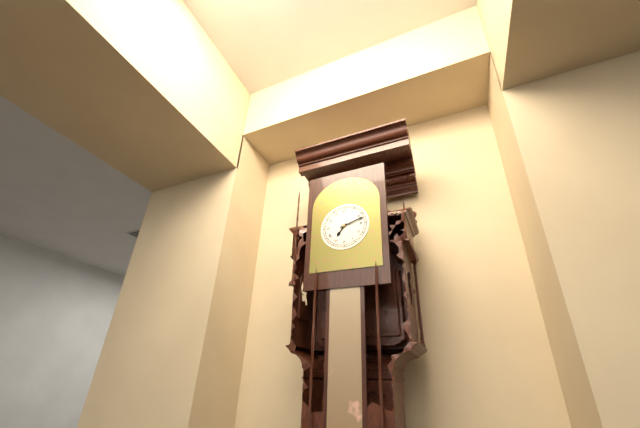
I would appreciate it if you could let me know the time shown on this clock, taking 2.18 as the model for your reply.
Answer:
7.12
